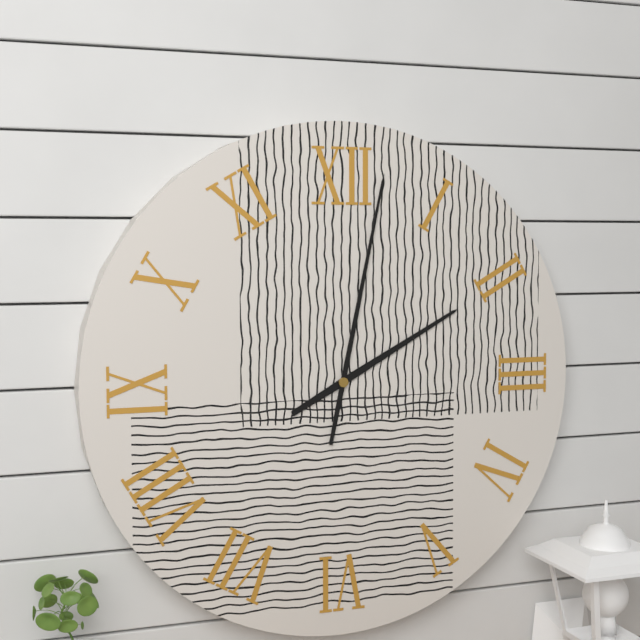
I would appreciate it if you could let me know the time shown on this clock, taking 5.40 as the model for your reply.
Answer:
2.02
